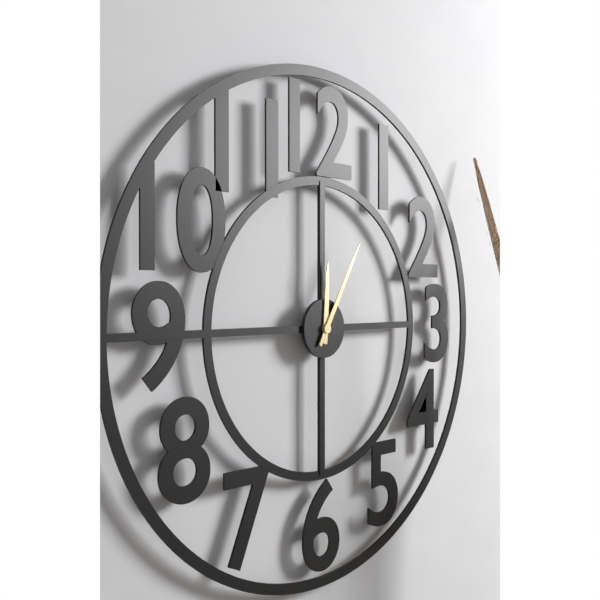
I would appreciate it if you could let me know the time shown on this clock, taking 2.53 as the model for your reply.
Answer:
12.05
